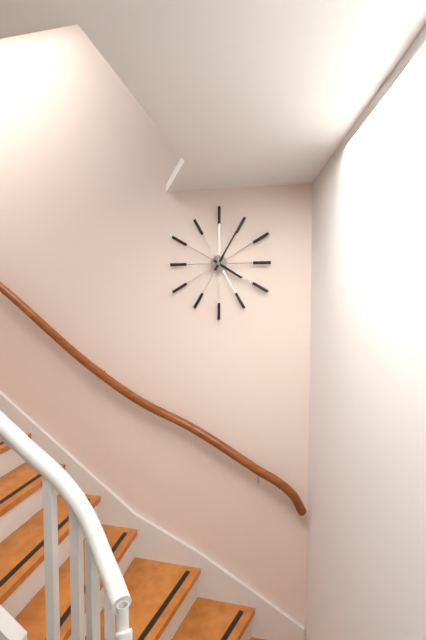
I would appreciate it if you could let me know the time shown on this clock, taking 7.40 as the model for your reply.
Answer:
4.05
